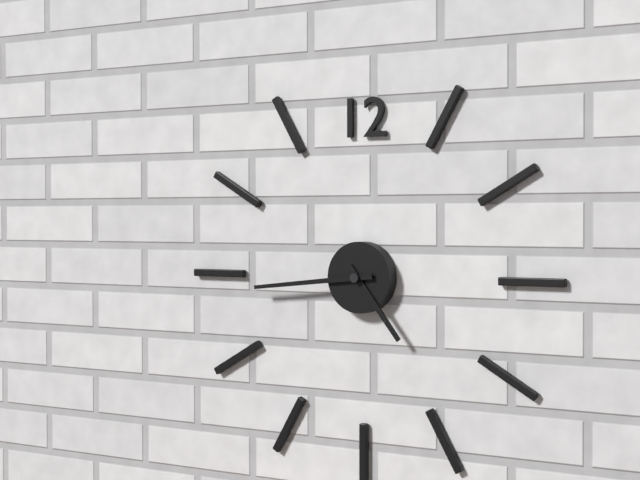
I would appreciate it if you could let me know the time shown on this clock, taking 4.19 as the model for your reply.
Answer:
4.44
